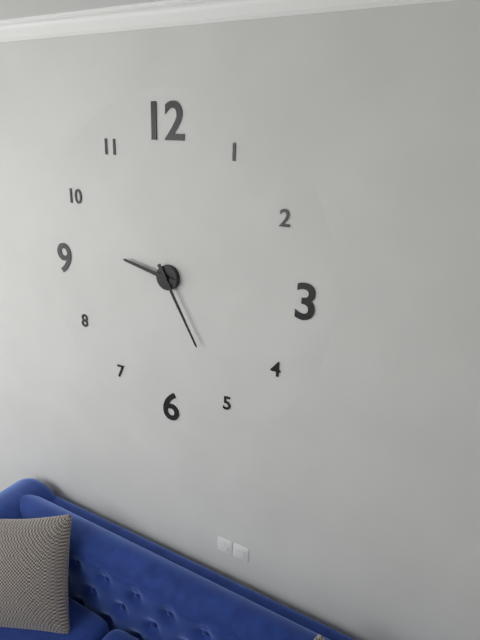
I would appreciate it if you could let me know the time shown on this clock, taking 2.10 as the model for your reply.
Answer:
9.25
